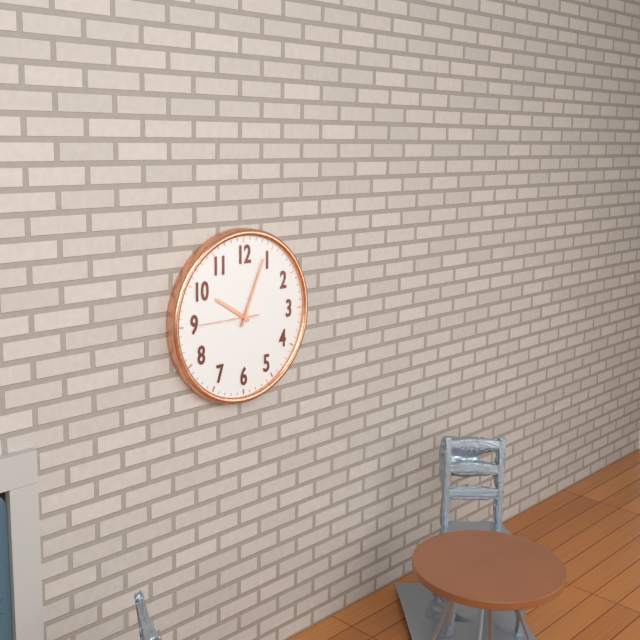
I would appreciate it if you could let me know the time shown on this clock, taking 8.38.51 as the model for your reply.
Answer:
10.04.45
